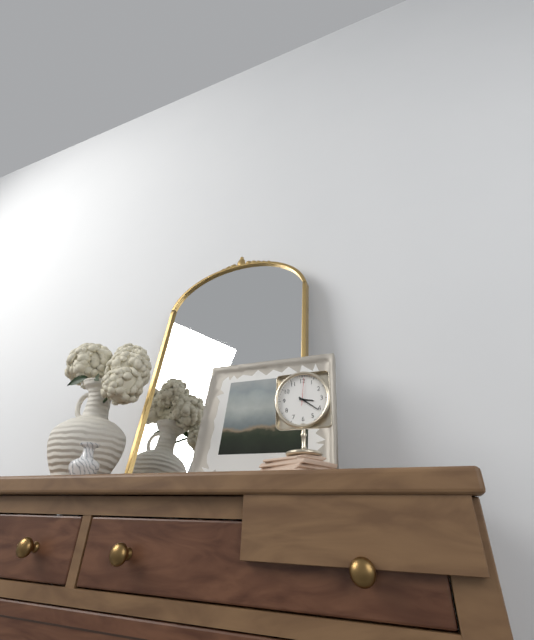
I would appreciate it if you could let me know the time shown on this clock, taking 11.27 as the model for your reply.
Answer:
3.21
